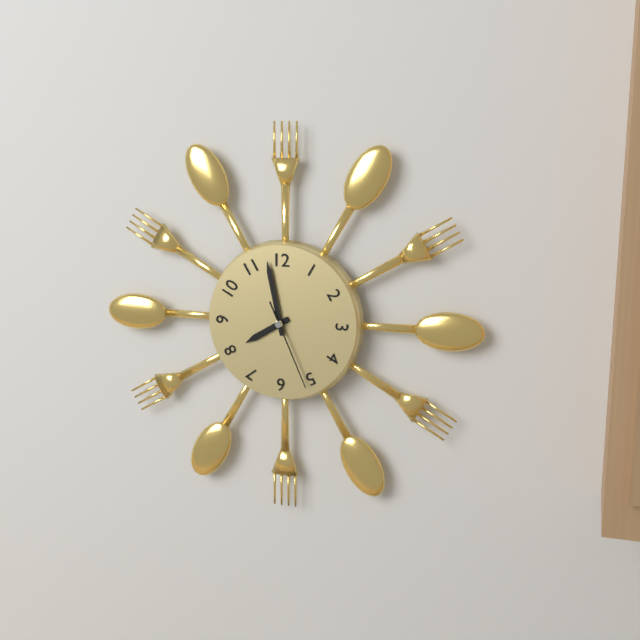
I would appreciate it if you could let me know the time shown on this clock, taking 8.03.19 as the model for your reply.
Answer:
7.58.26
